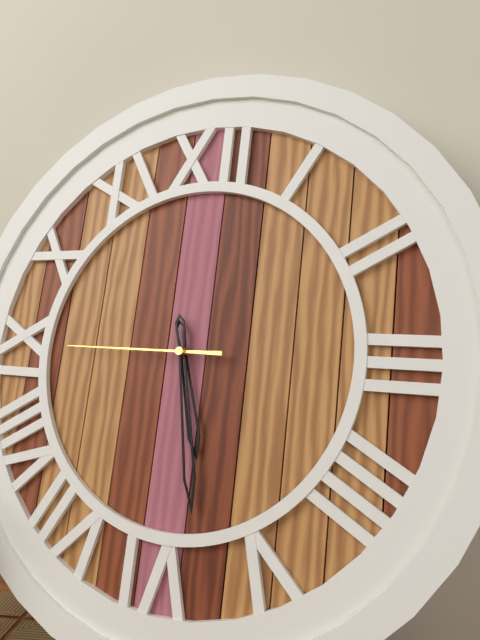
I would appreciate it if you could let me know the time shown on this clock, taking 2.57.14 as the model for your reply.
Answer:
5.28.45
